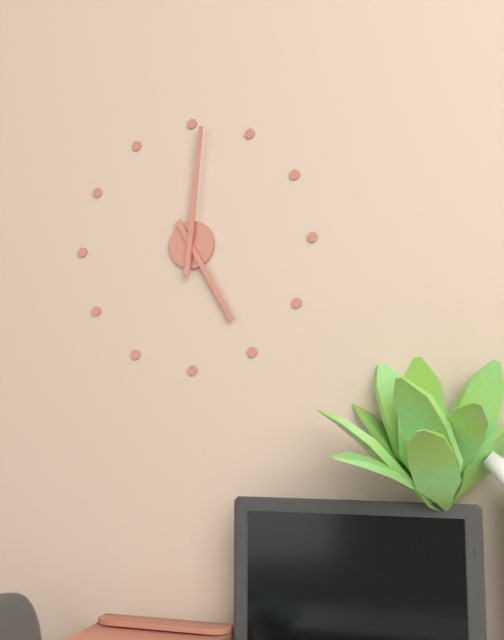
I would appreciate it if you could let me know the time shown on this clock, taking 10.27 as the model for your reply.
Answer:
5.01
